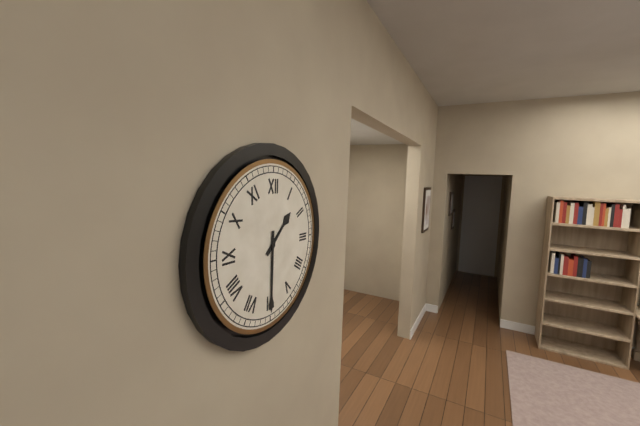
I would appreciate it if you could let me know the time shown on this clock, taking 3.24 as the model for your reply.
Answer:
1.30
